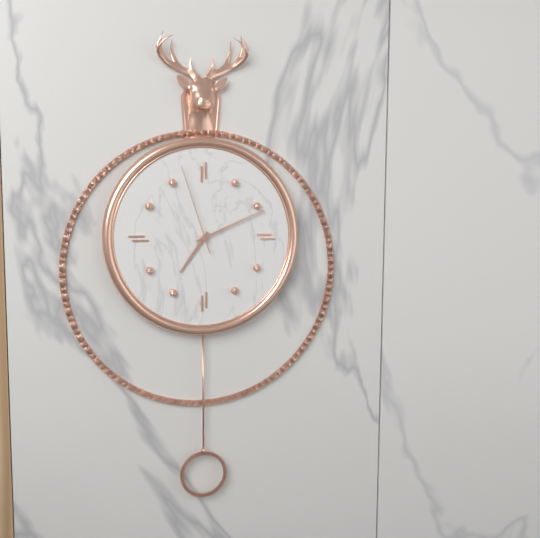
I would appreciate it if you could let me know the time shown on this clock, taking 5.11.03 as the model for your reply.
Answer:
7.11.57
